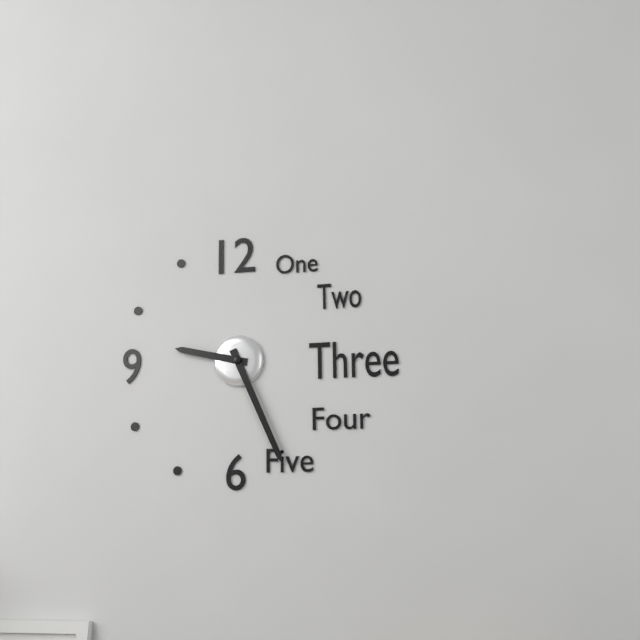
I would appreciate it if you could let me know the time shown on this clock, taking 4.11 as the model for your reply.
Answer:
9.26
